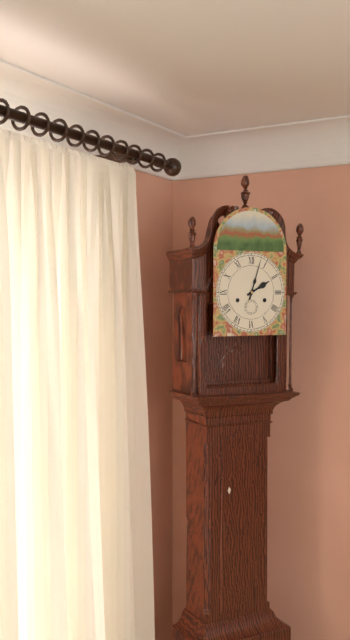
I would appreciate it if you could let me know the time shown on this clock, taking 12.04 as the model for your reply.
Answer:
2.03
